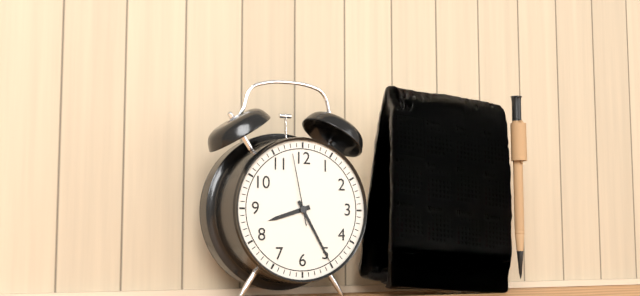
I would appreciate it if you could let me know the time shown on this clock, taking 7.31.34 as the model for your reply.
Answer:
8.25.58
